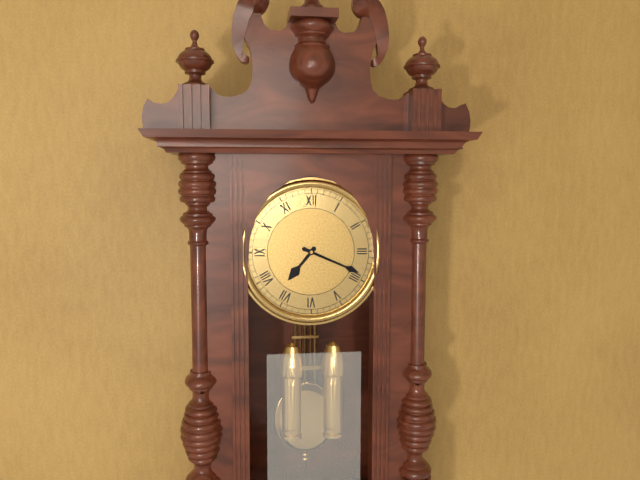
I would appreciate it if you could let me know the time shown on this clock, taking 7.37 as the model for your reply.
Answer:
7.19
